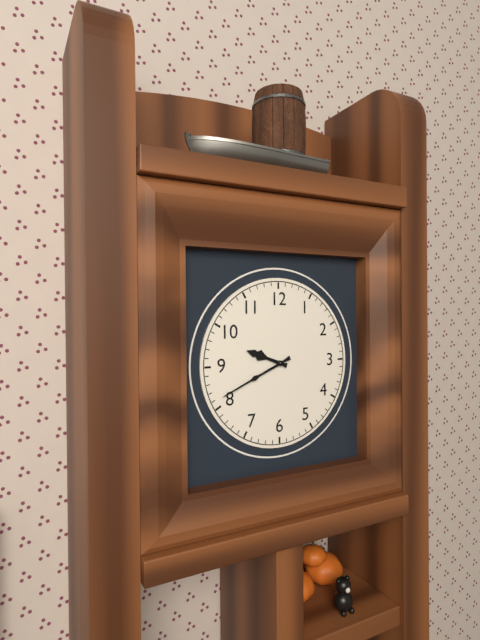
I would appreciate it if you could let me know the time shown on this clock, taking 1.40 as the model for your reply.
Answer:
9.41
